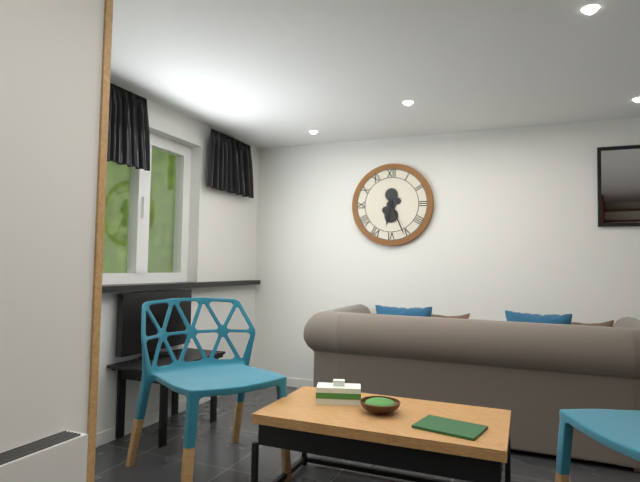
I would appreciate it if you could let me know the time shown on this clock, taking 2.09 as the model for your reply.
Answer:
6.26
